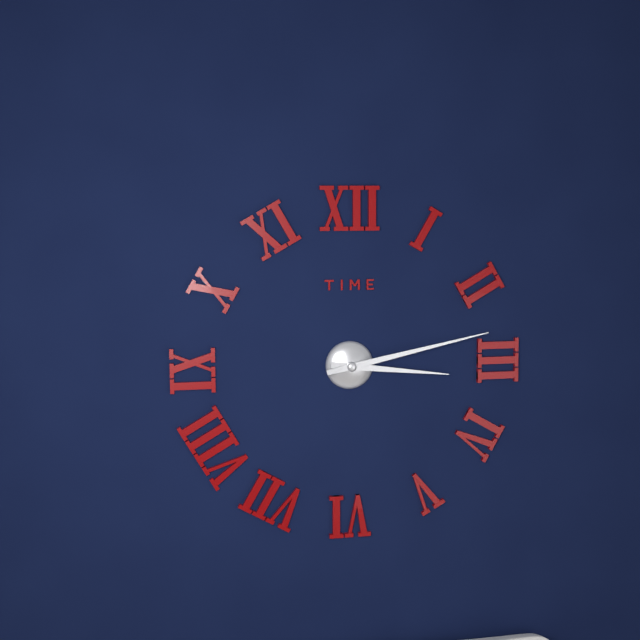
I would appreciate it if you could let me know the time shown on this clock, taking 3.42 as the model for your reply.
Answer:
3.13
